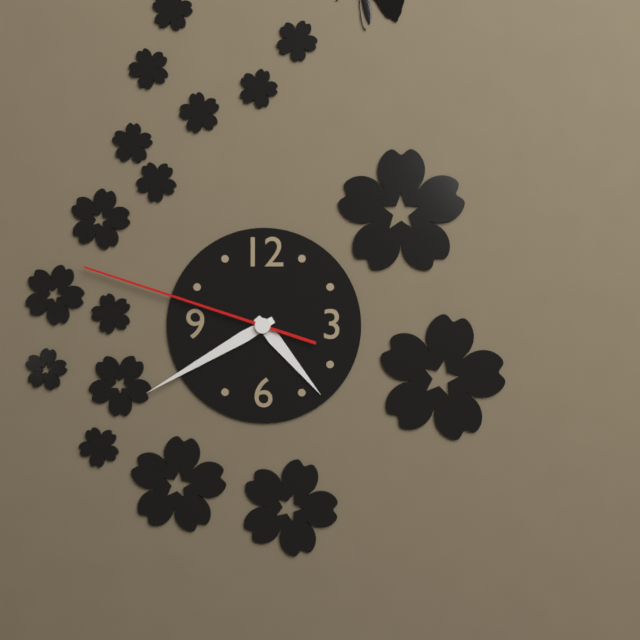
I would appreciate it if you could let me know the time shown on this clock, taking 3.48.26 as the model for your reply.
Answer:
4.40.48
